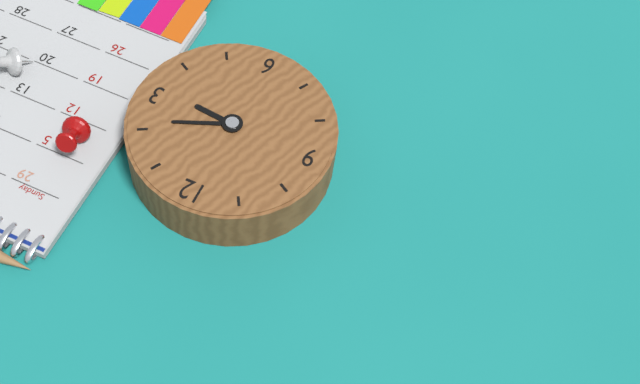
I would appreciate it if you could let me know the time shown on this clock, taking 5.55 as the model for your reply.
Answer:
3.11
